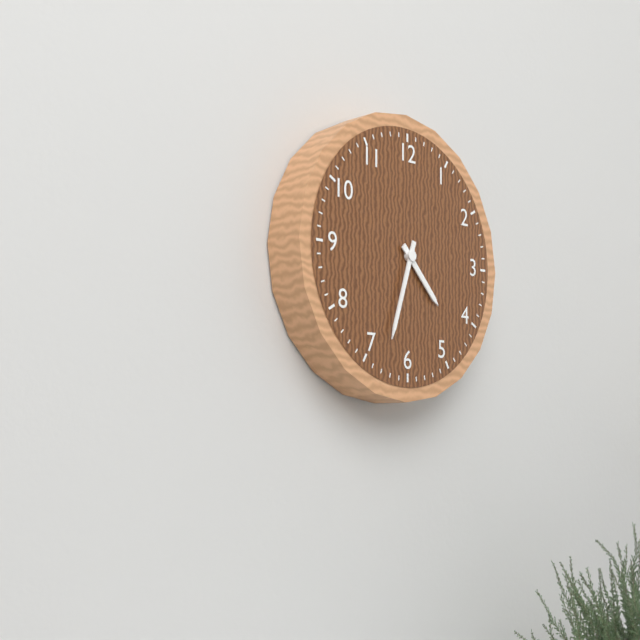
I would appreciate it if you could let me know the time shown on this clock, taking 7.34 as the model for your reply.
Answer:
4.33
